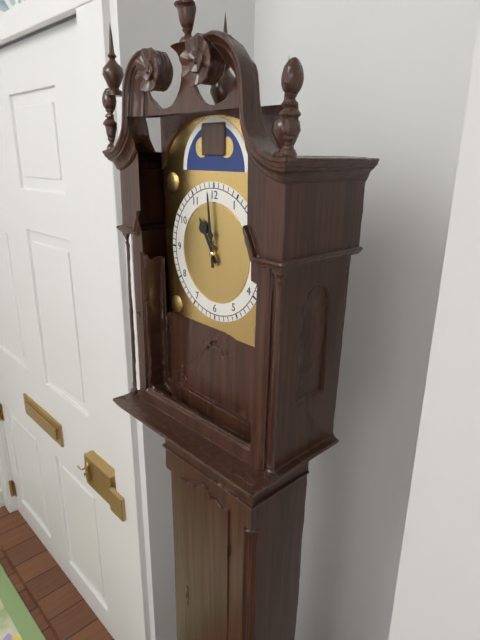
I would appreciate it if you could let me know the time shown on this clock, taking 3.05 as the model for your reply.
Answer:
10.59
